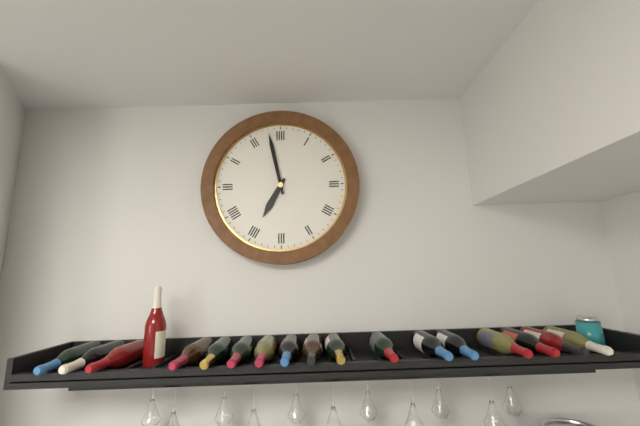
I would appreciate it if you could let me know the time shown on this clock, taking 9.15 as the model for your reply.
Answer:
6.58
